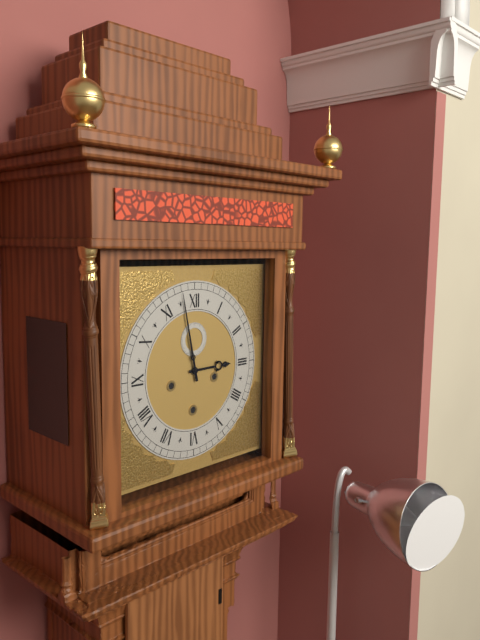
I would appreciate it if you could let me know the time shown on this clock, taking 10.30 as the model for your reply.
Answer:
2.58
